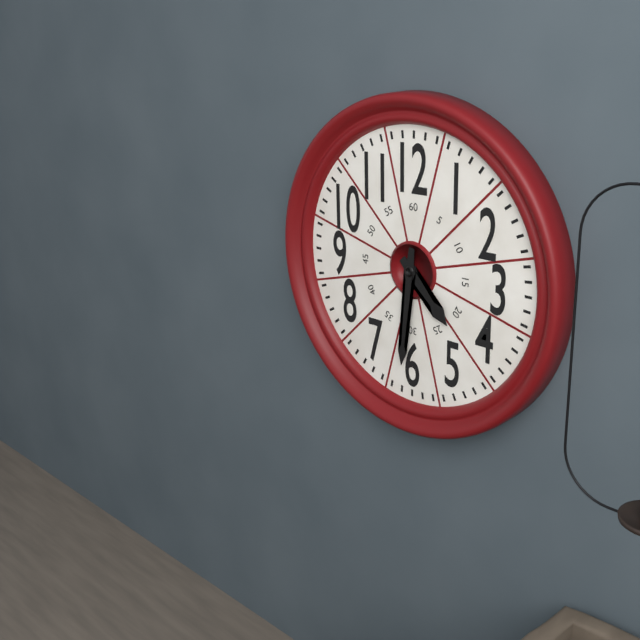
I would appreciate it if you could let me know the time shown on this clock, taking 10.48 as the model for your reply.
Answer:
4.31
